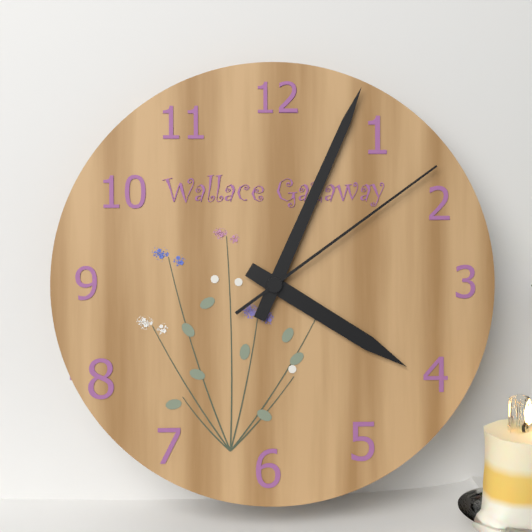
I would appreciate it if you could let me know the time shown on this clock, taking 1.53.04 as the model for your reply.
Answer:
4.04.09
